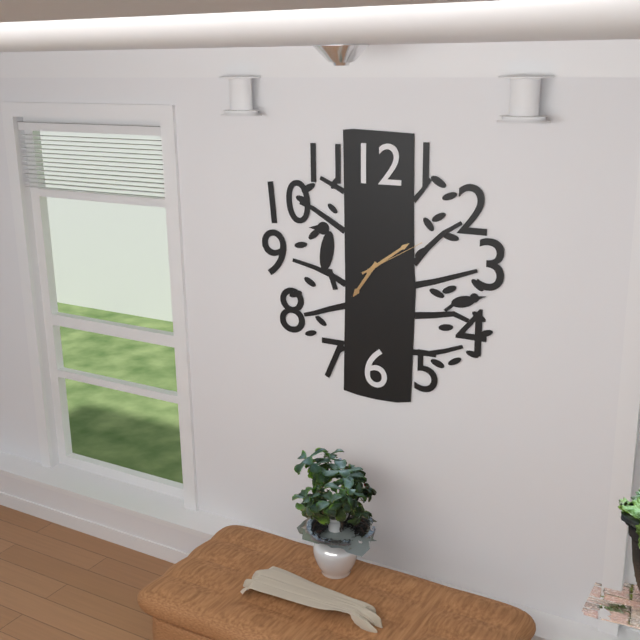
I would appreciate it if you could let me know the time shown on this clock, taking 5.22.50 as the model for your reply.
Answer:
7.09.10
